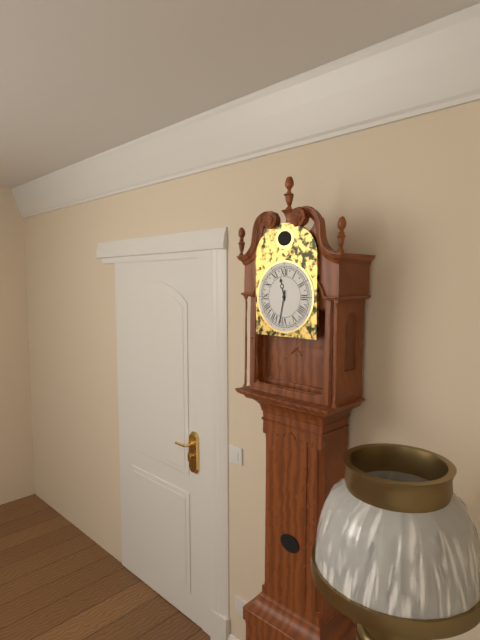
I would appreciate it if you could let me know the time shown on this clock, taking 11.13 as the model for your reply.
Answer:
11.32
